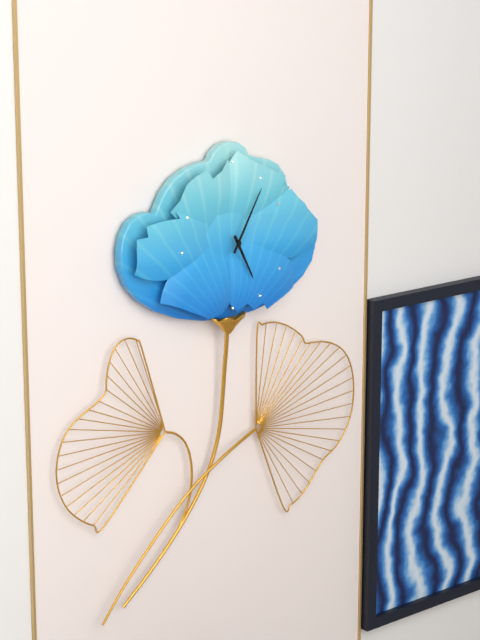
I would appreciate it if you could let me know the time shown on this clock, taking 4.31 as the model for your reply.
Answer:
5.05
